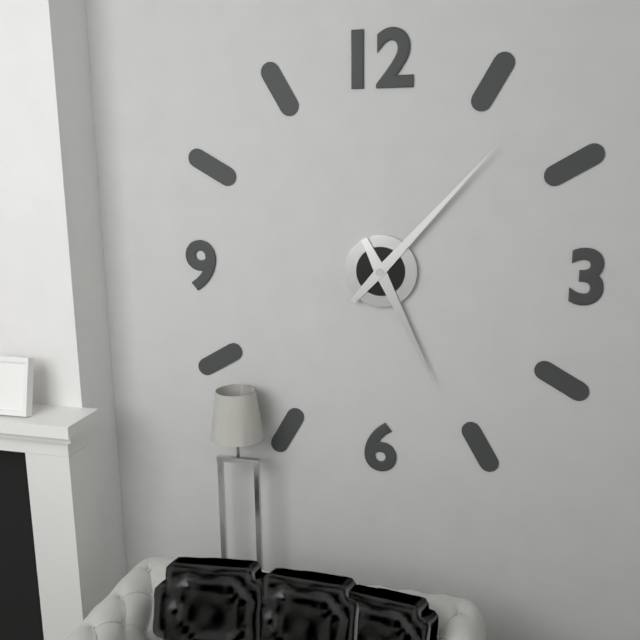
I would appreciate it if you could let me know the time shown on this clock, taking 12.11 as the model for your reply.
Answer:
5.07
